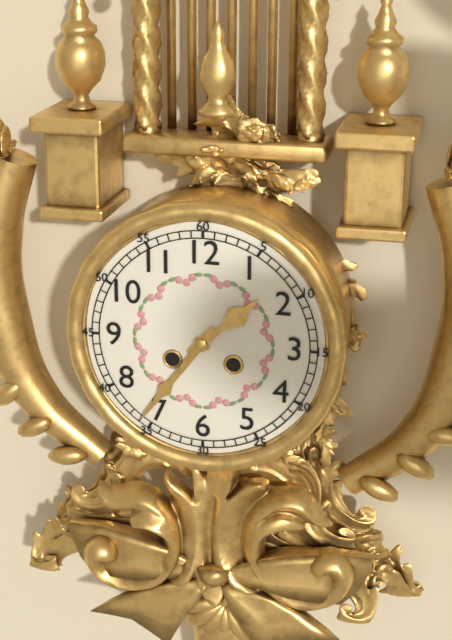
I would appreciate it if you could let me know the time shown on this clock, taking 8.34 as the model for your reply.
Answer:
1.36
